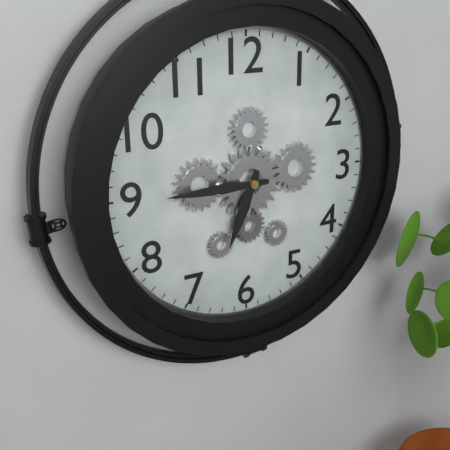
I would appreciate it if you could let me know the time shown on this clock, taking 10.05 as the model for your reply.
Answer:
6.45
